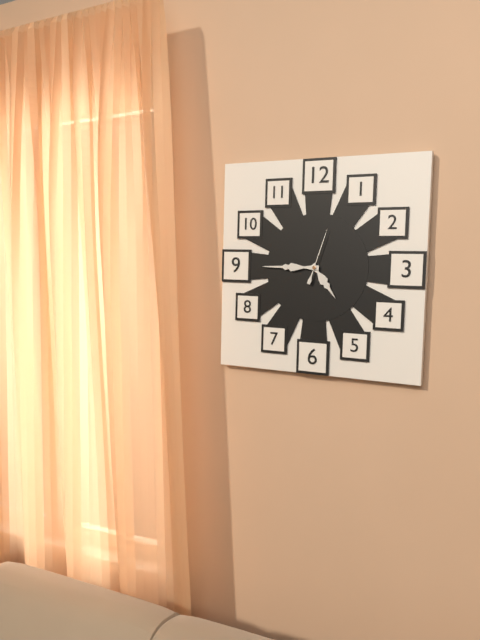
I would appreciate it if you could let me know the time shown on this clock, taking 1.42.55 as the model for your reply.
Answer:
4.45.03
